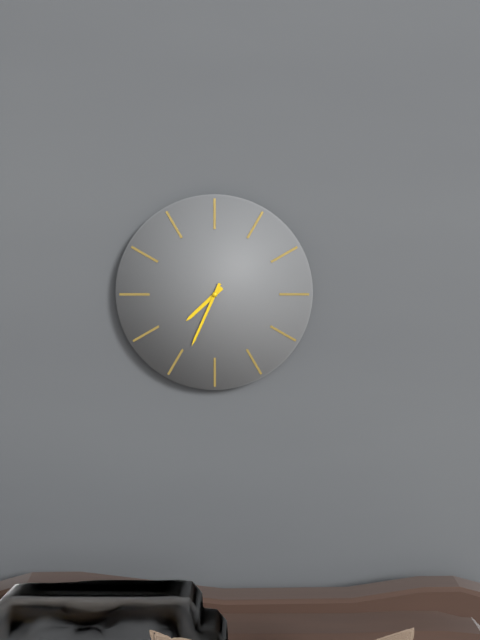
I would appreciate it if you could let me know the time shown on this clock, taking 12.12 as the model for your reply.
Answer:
7.34
